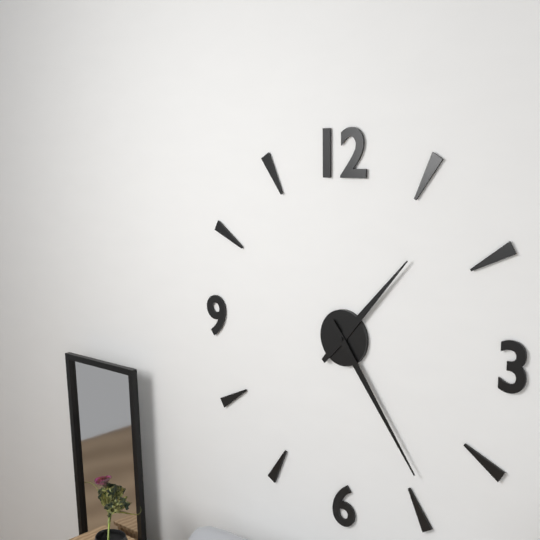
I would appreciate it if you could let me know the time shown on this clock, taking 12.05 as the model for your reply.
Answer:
1.24
